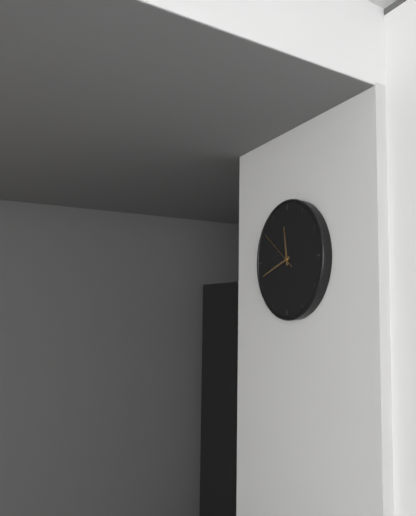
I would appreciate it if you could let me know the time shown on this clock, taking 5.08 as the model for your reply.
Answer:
11.42
